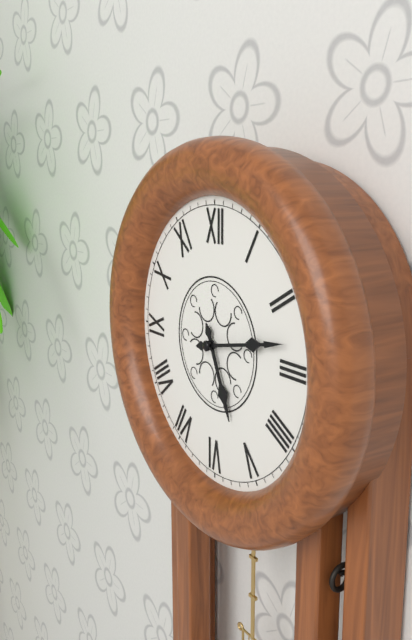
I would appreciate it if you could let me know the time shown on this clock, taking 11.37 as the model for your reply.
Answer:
5.13
